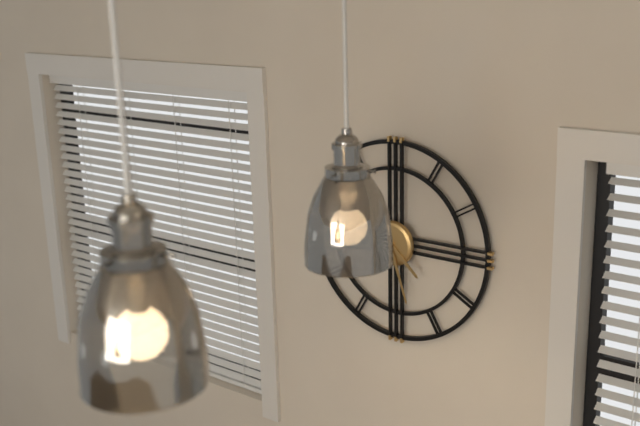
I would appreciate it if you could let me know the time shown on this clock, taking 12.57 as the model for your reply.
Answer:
4.27
